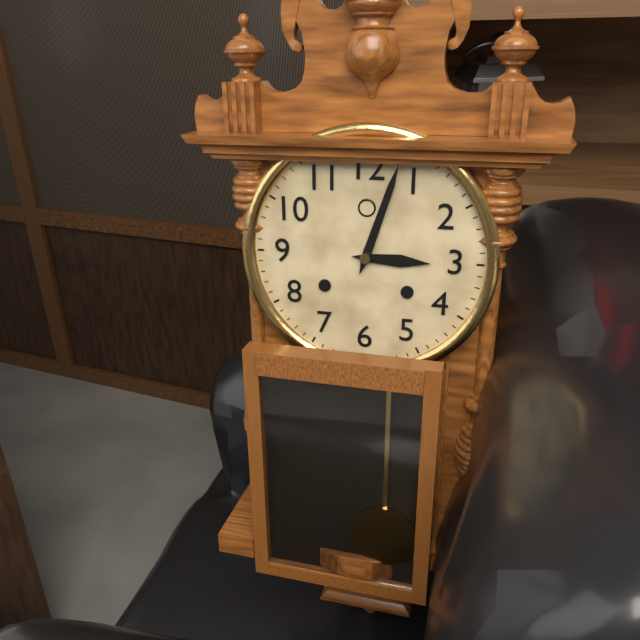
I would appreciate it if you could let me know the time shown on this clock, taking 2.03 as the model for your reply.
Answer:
3.03
